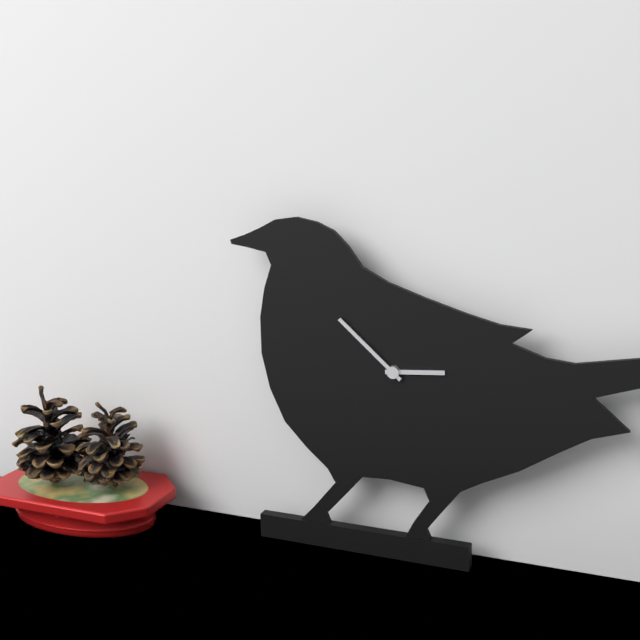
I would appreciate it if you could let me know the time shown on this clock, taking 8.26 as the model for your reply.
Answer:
2.52
